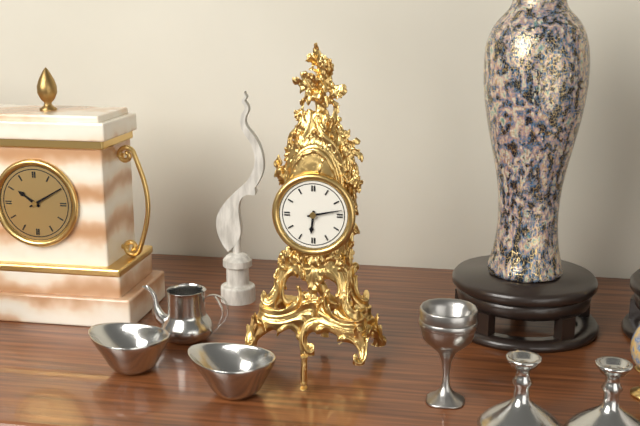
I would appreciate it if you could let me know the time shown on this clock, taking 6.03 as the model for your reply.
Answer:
6.13
